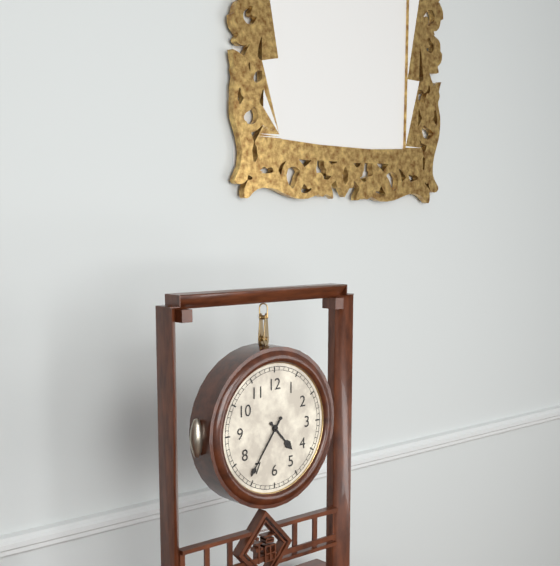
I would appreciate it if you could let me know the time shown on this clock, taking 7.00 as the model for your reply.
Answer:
4.36
